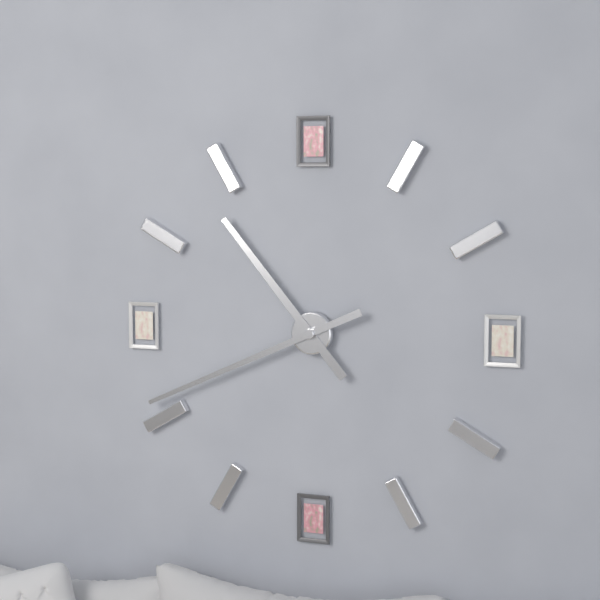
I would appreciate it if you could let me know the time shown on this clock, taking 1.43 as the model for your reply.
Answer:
10.41
